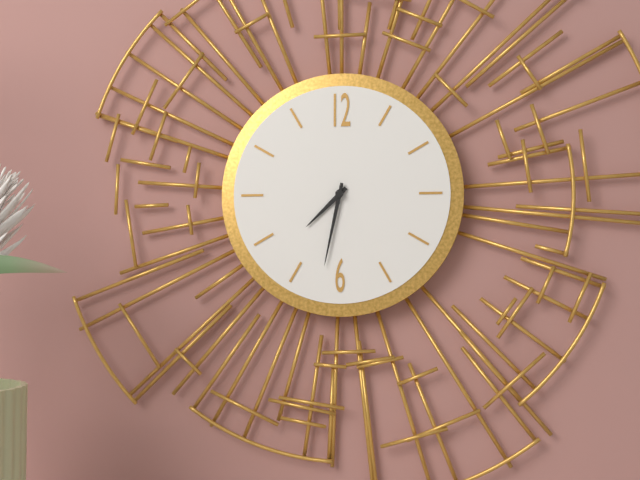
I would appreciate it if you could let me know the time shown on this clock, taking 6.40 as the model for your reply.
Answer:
7.32
